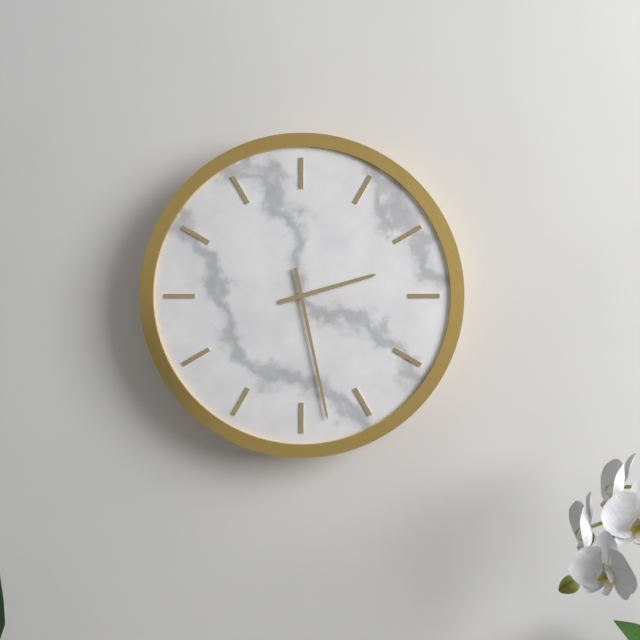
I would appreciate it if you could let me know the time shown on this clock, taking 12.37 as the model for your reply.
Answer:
2.28
